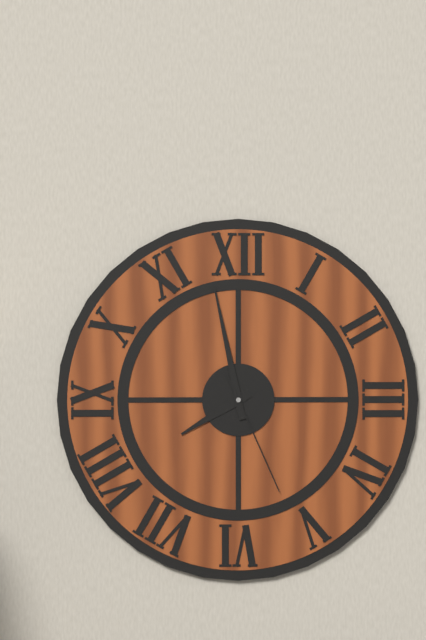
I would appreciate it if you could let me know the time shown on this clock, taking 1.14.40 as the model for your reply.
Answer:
7.58.26
